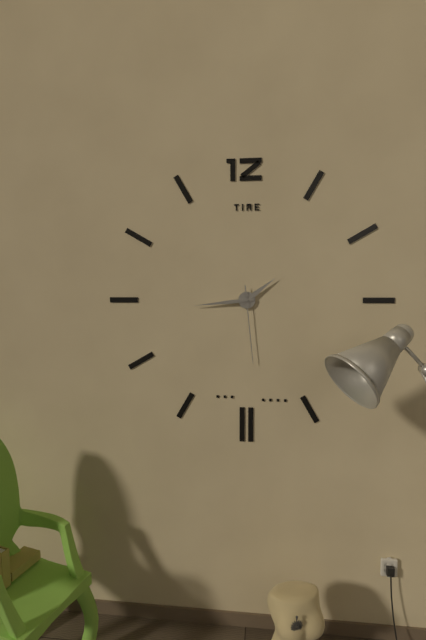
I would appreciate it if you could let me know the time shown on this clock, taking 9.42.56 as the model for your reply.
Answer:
1.44.29
